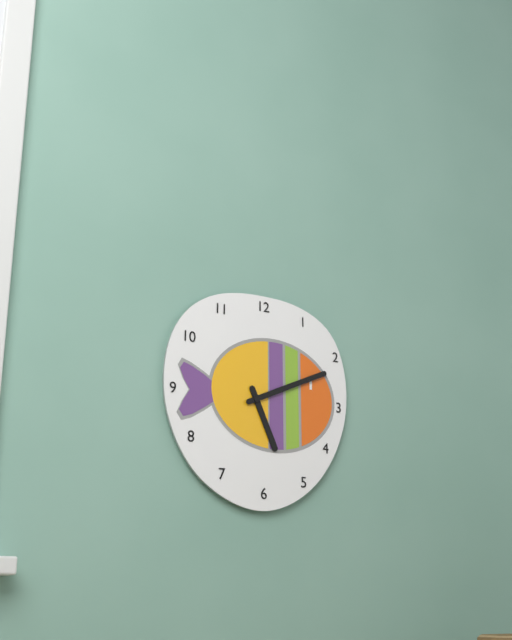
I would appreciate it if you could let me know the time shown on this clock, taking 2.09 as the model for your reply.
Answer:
5.11
